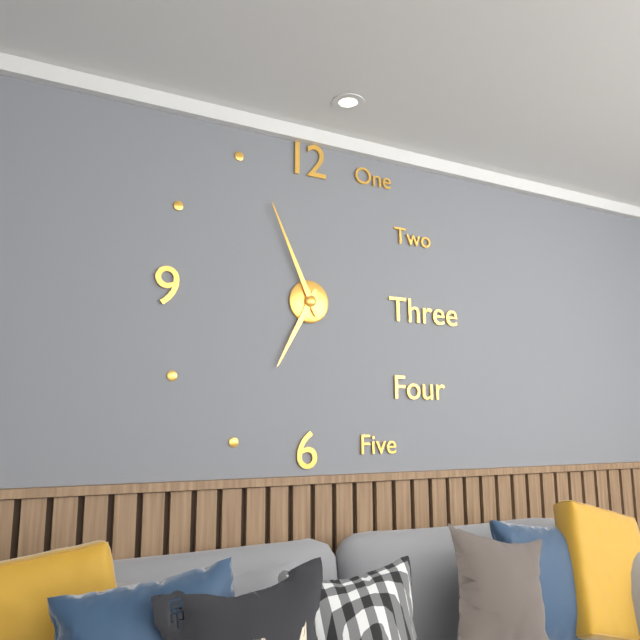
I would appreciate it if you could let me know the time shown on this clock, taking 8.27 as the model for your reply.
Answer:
6.56
